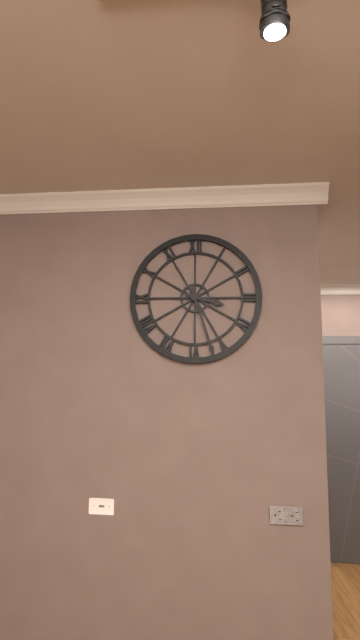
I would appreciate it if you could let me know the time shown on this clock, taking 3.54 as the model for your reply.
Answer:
3.27
